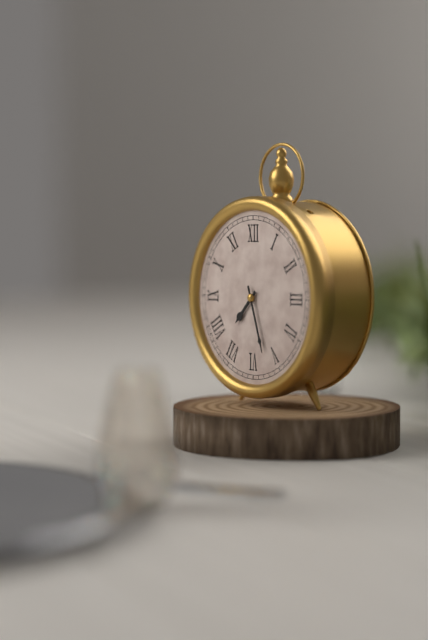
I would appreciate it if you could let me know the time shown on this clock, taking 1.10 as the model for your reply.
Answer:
7.27
